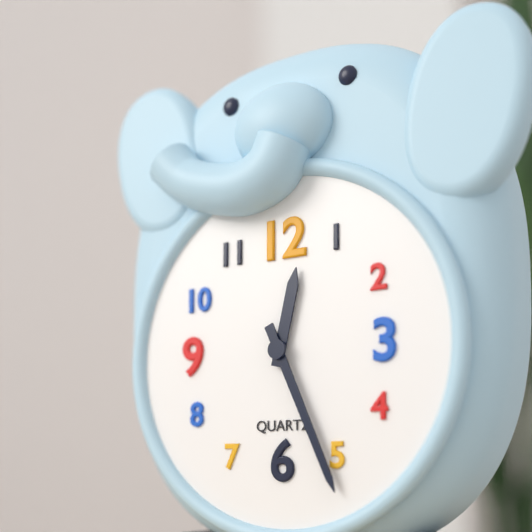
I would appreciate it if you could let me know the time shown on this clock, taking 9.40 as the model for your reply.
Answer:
12.26
